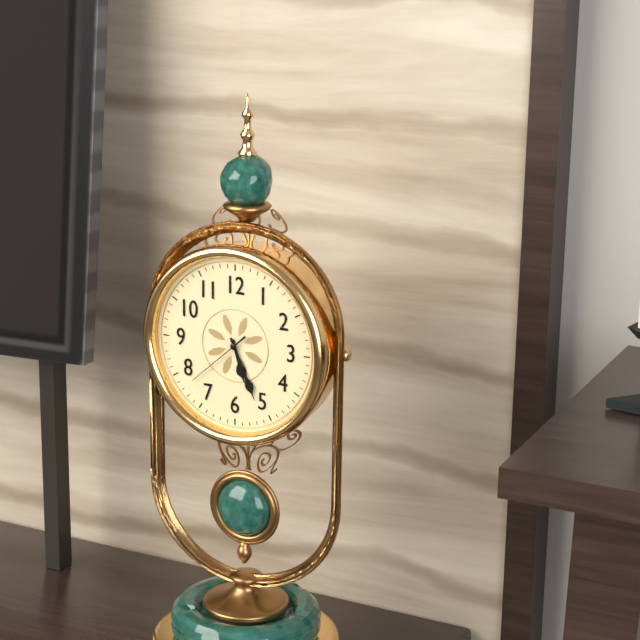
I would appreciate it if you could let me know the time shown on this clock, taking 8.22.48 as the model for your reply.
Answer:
5.26.38
